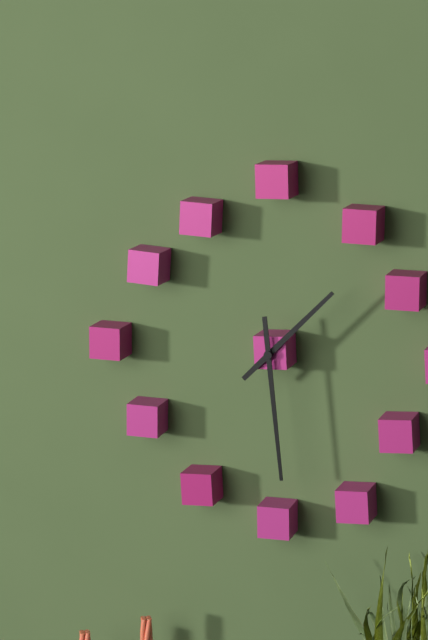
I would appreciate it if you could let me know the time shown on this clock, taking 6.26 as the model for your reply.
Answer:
1.29
